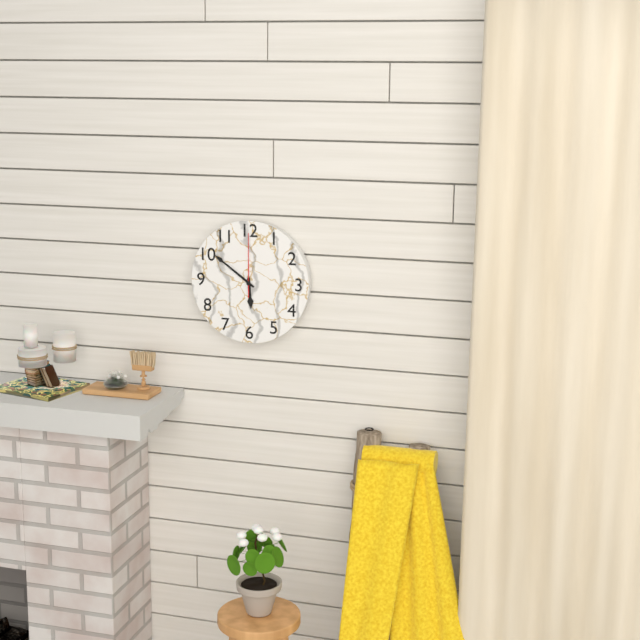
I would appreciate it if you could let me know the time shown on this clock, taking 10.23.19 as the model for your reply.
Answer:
5.51.00
